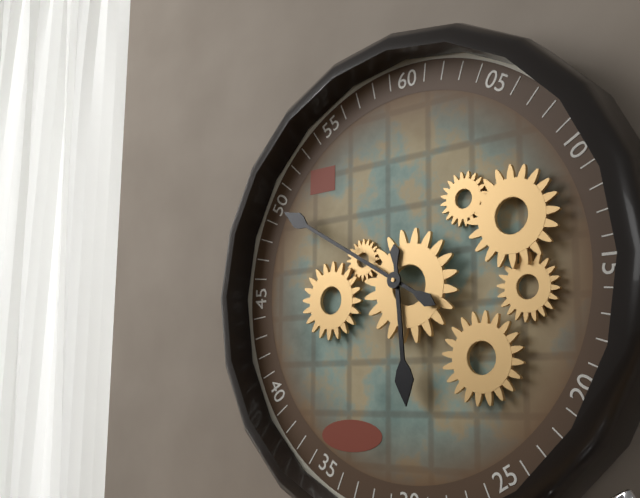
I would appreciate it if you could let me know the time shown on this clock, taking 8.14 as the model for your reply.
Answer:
5.50
